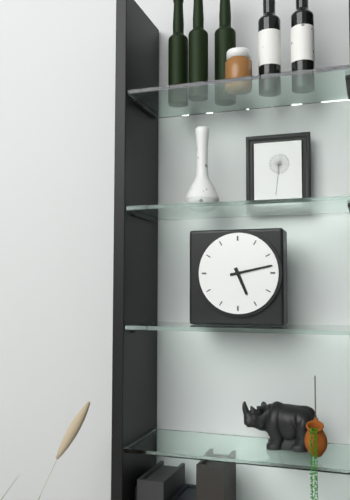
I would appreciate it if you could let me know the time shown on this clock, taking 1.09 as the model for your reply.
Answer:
5.13
